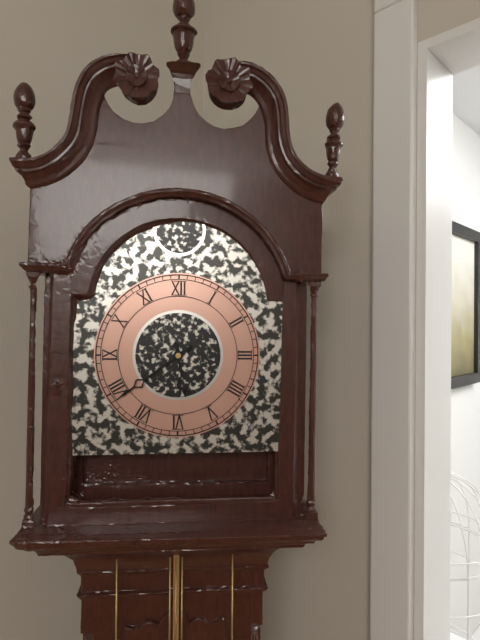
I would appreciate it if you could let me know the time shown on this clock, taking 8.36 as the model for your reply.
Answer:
5.39
